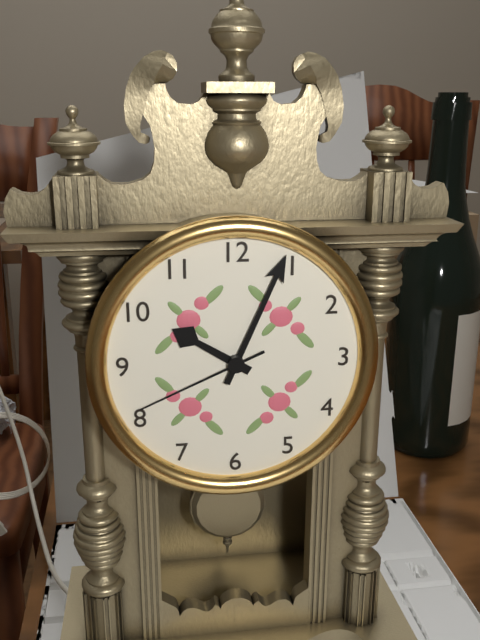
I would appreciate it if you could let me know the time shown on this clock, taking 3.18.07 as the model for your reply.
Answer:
10.04.41
